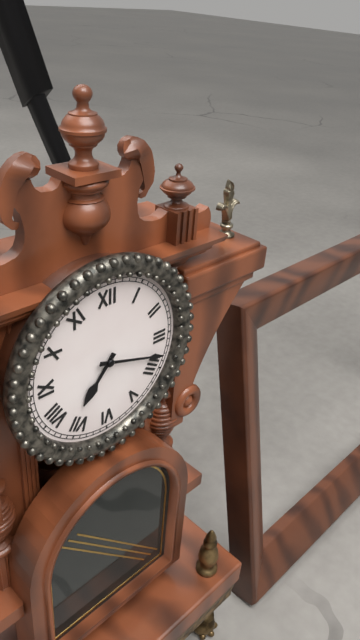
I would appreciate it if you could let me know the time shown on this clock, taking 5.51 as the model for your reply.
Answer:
7.18
